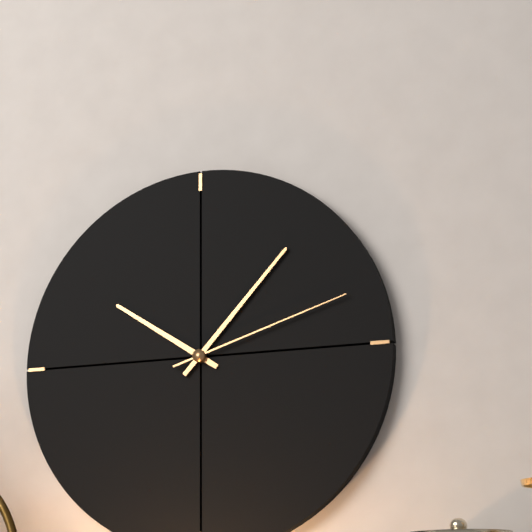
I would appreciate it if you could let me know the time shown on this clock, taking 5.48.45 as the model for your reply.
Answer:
10.07.12
